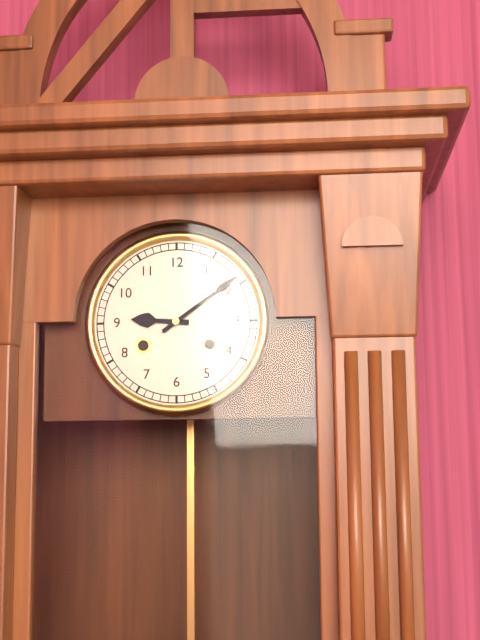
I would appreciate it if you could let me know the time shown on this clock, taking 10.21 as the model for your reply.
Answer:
9.09
